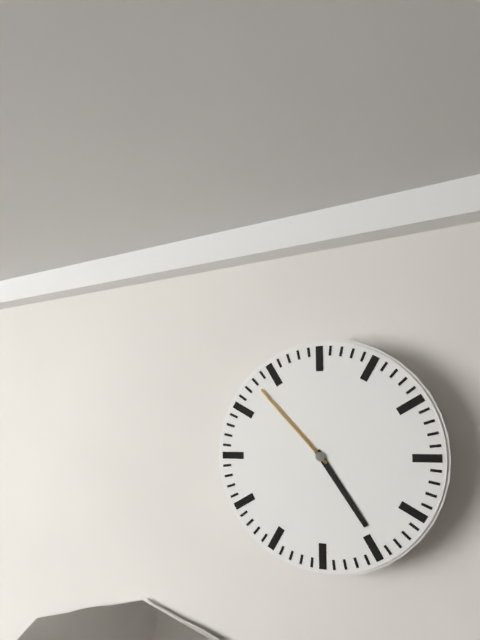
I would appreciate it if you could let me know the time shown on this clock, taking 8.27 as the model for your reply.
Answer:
4.53
